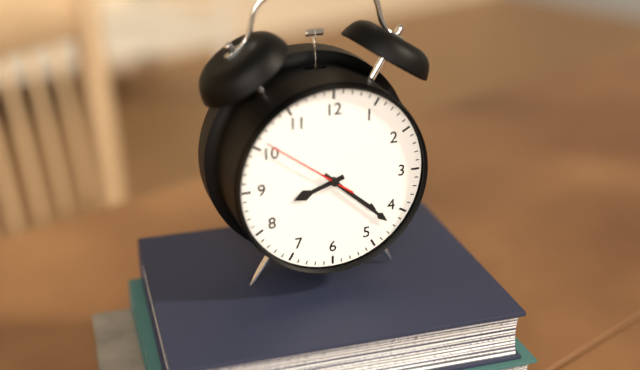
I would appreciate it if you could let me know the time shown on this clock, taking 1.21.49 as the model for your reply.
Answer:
8.22.51
